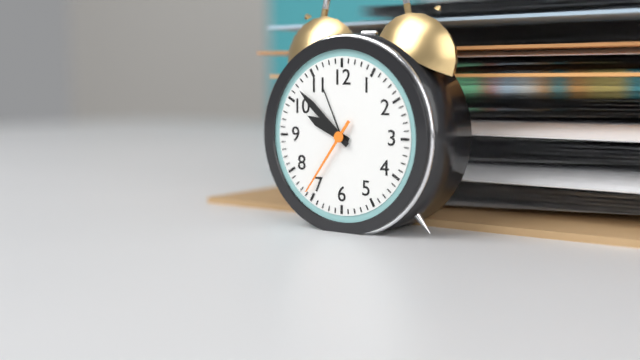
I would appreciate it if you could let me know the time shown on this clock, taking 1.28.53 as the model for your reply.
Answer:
9.52.36
